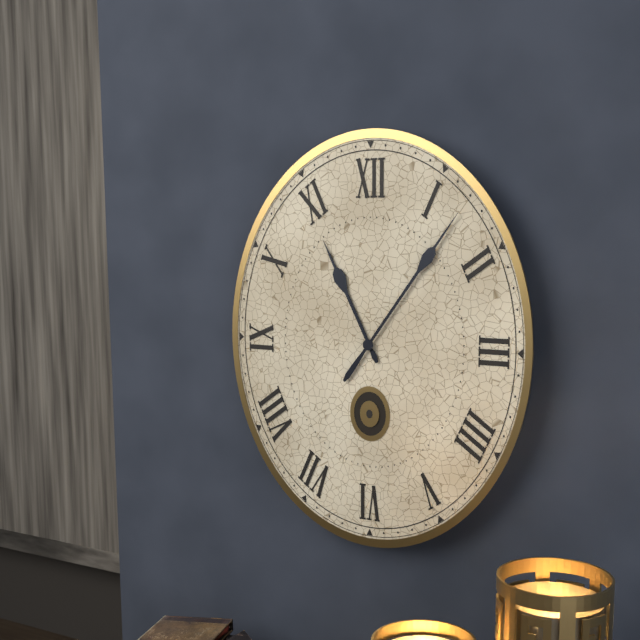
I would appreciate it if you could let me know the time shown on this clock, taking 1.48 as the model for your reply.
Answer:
11.06
